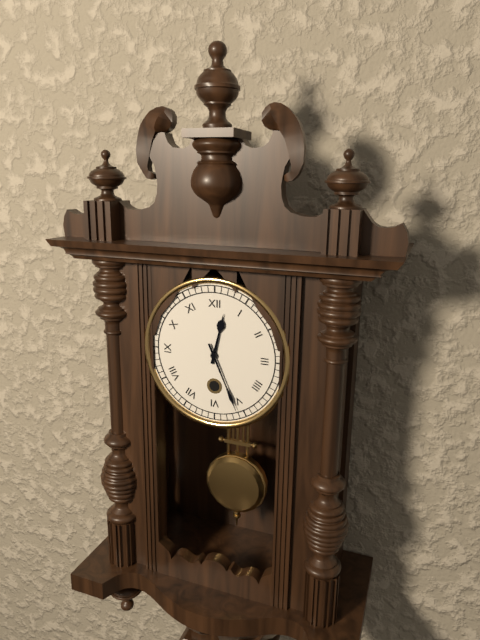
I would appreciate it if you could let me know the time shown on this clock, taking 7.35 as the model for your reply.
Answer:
12.26
